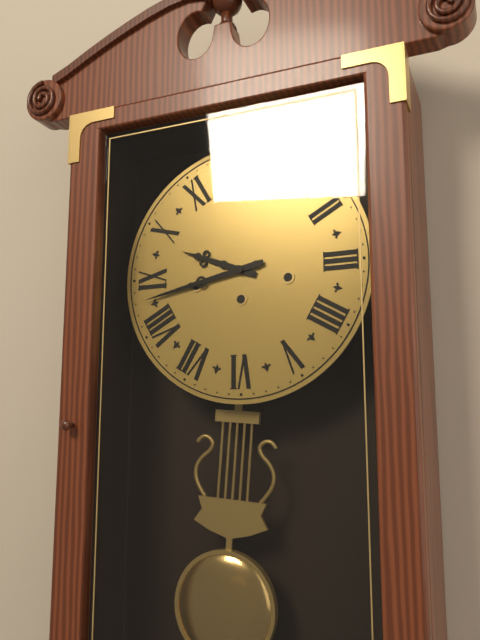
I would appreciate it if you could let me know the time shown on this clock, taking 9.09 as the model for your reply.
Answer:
9.43
